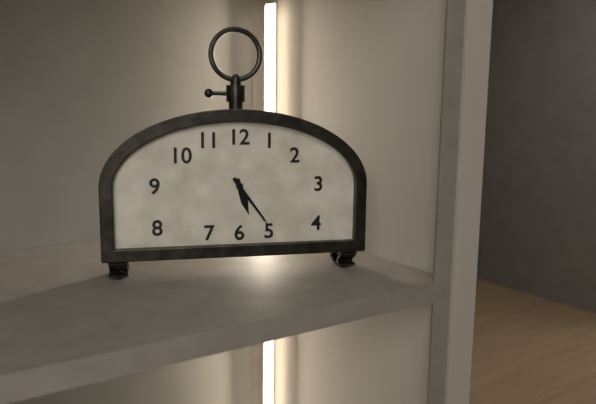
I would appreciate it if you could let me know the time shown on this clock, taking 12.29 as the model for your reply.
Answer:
5.24
